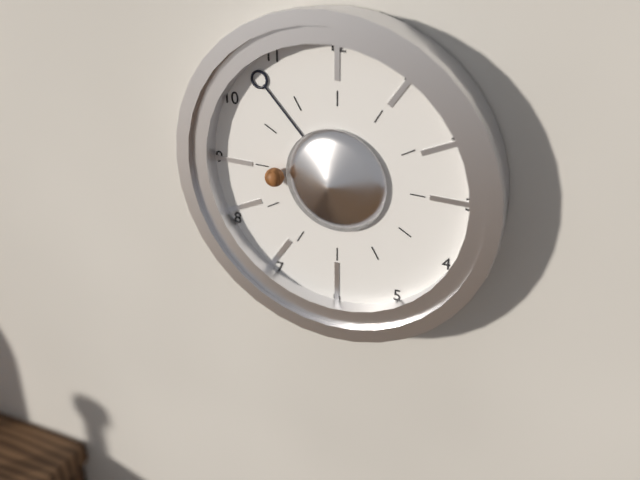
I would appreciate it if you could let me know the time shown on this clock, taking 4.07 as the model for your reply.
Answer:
8.53
